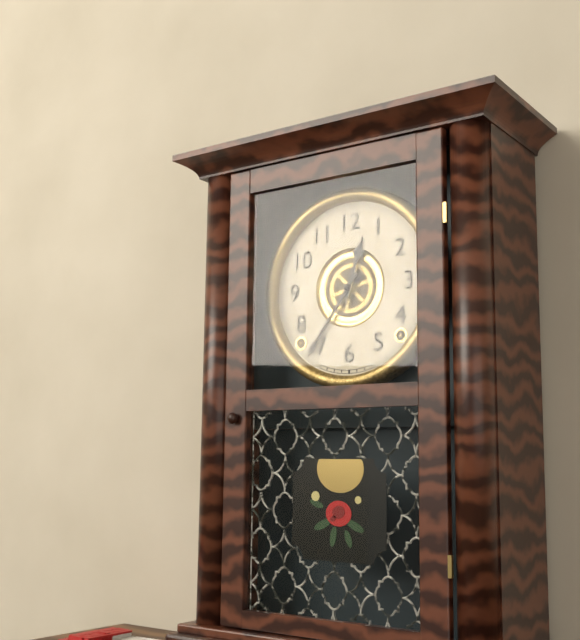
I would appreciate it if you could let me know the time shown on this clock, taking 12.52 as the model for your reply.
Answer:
12.36
